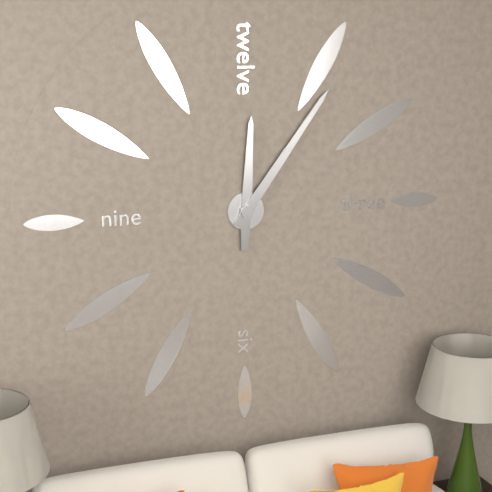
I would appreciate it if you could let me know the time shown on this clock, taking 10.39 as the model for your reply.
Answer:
12.06
